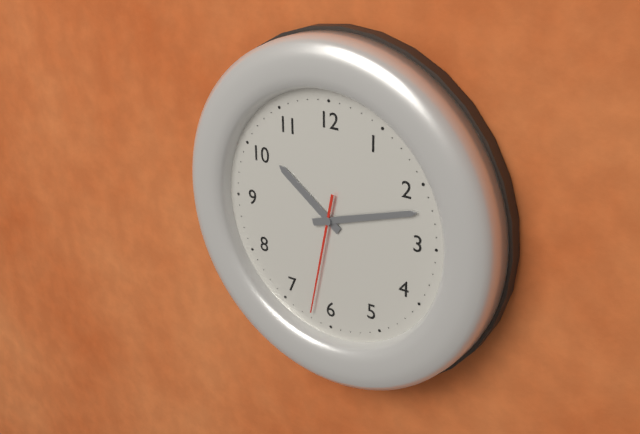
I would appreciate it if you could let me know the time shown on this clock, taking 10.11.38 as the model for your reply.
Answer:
10.12.32
